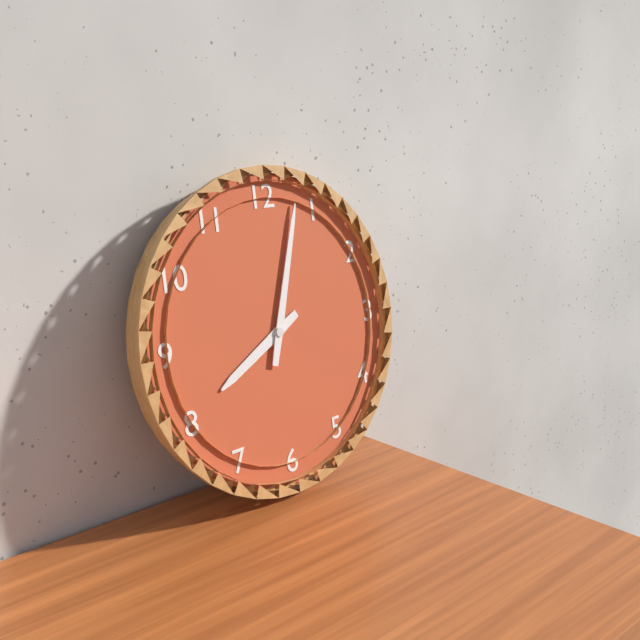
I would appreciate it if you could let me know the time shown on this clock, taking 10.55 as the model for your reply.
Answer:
8.03
